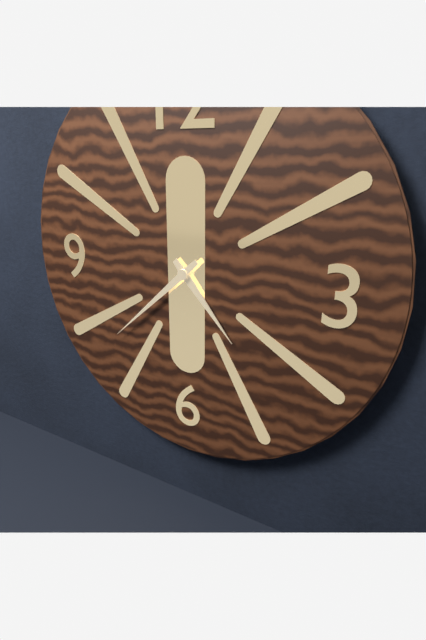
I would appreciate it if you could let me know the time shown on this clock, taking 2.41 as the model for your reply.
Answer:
4.38
